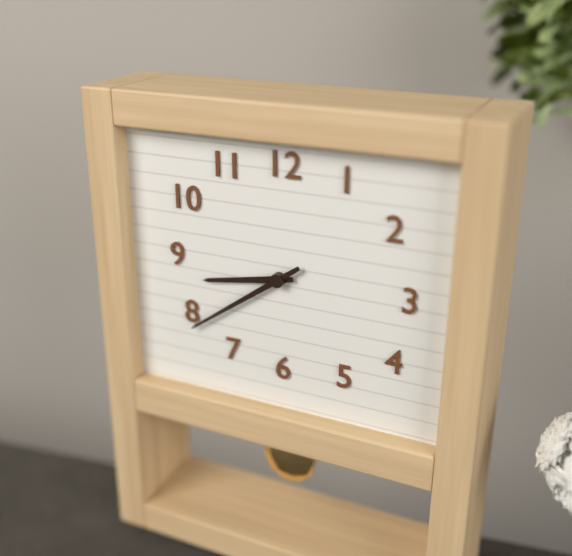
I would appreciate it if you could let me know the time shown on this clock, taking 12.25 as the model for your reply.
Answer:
8.39
